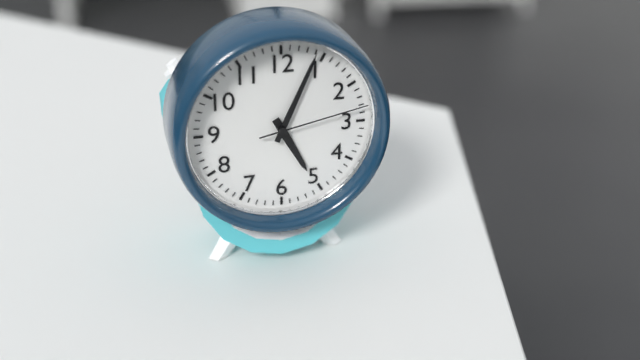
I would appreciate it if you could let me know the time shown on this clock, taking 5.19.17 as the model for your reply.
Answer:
5.04.13
